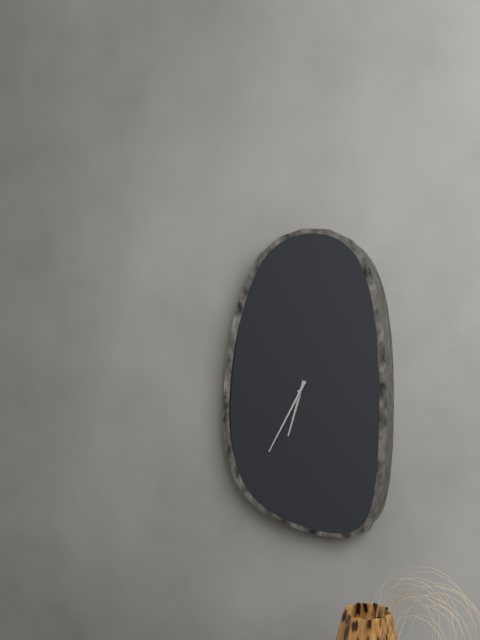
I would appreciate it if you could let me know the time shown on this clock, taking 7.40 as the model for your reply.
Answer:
6.35
